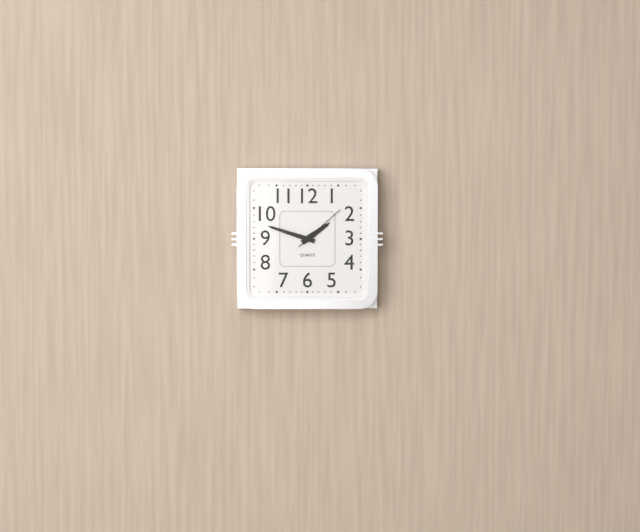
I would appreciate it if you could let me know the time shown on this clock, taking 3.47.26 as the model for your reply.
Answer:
1.48.08
